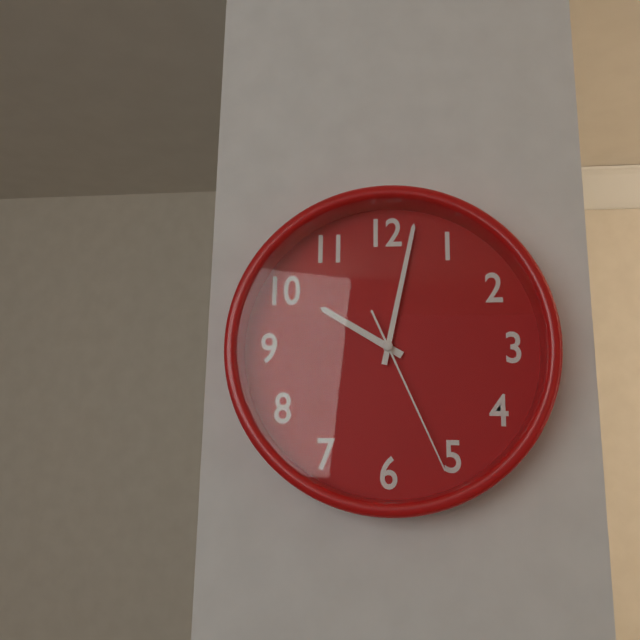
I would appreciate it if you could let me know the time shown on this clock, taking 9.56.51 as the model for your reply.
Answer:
10.02.26
